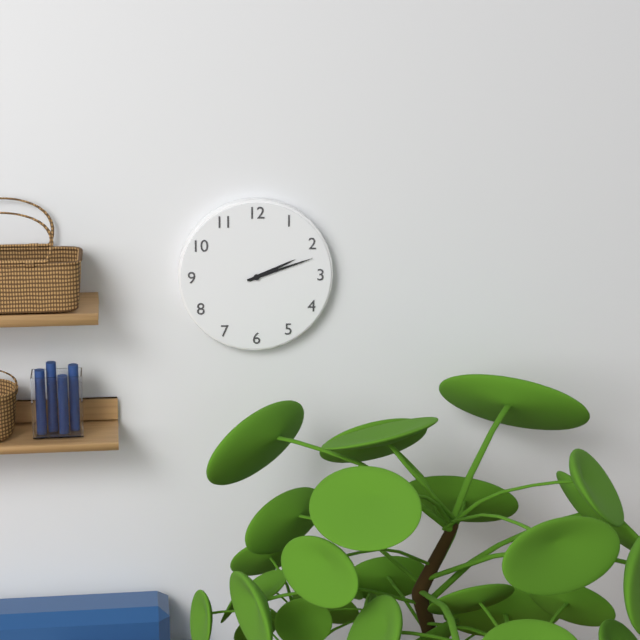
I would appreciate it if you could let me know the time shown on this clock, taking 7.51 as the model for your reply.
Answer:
2.12
